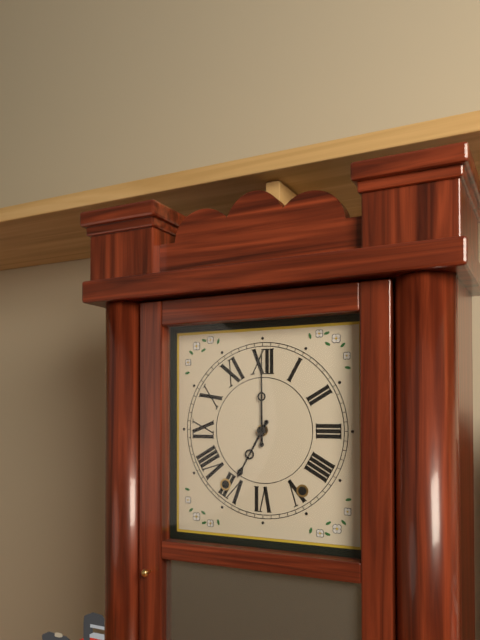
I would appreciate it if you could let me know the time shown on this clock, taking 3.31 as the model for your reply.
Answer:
7.00
